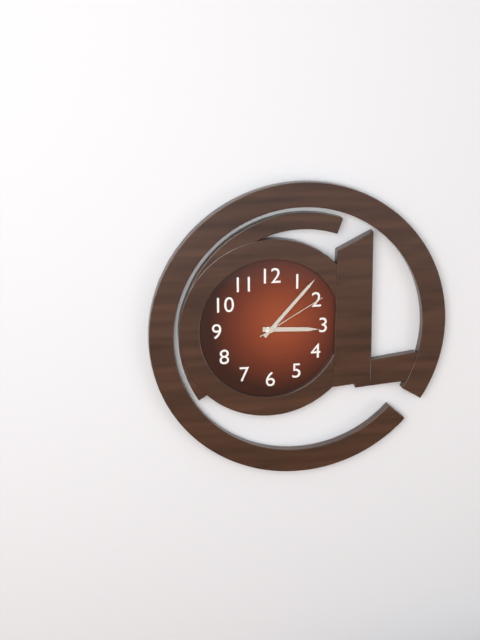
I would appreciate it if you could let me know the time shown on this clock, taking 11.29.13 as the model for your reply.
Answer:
3.07.10
